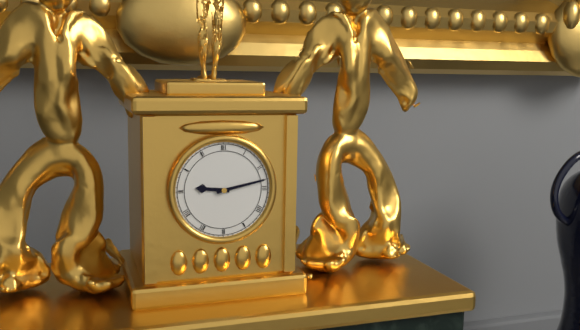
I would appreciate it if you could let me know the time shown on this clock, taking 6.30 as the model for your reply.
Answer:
9.13
